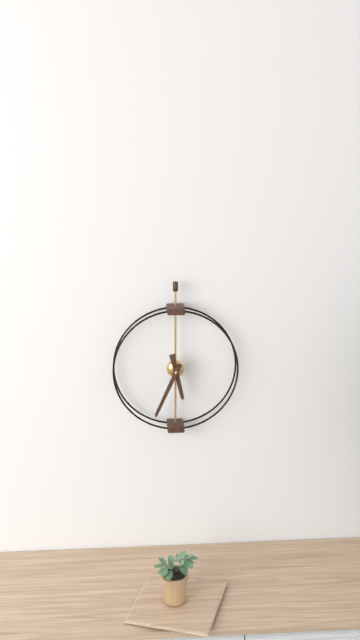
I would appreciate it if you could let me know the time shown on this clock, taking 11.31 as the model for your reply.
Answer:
5.34
